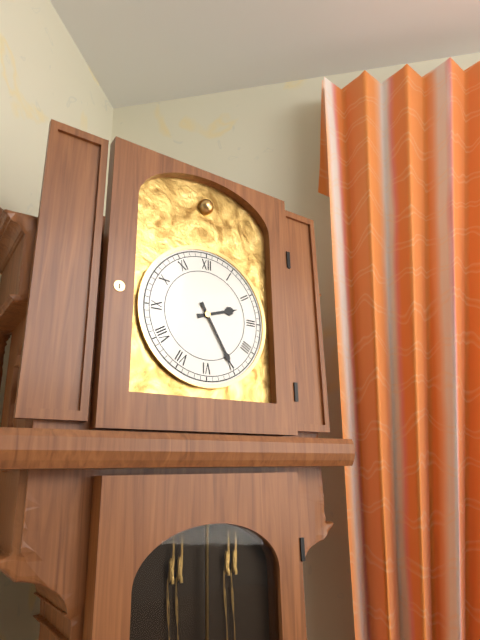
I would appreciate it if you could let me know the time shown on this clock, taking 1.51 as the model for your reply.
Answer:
2.25
